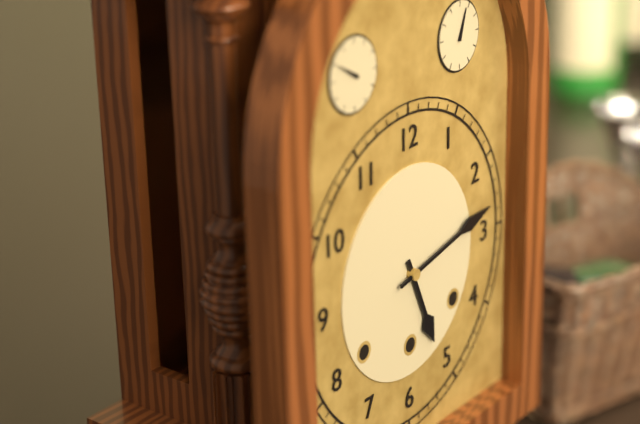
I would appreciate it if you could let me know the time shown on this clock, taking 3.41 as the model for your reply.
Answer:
5.13
